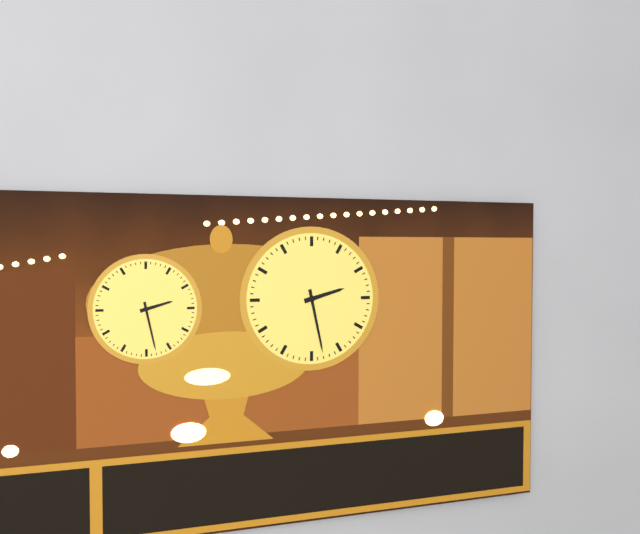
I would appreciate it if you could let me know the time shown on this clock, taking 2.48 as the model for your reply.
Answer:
2.28
